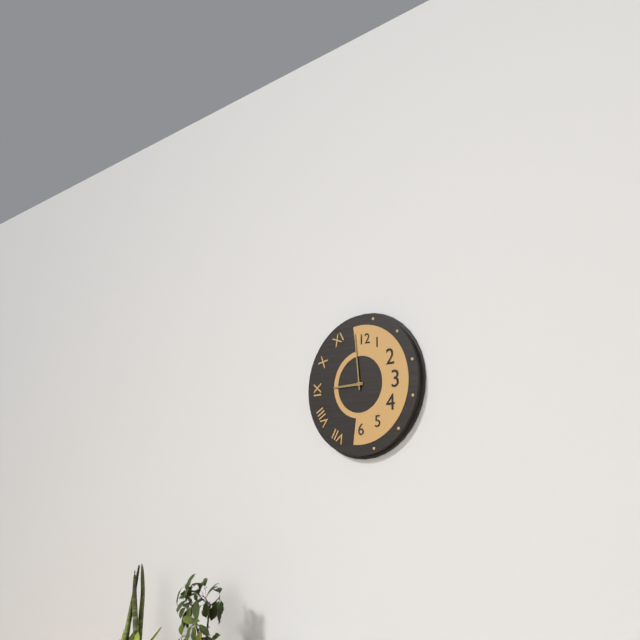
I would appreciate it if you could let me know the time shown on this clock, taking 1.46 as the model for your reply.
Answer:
8.59
